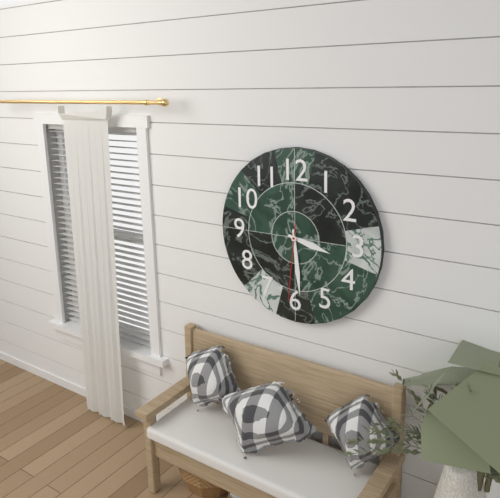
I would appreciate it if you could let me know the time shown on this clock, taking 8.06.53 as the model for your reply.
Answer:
3.29.31
